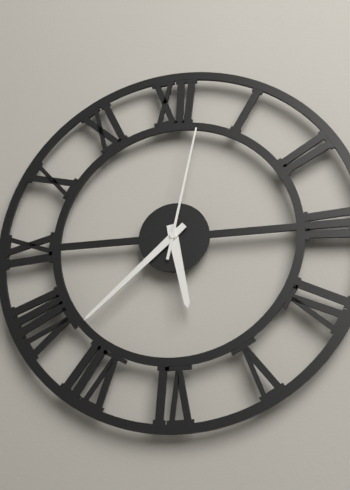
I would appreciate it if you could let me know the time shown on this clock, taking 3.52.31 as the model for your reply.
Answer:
5.38.02
